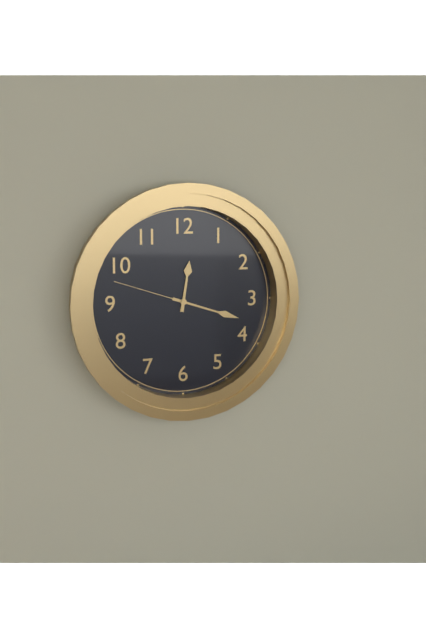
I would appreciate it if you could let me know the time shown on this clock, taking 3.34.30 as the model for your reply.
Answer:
12.18.48
